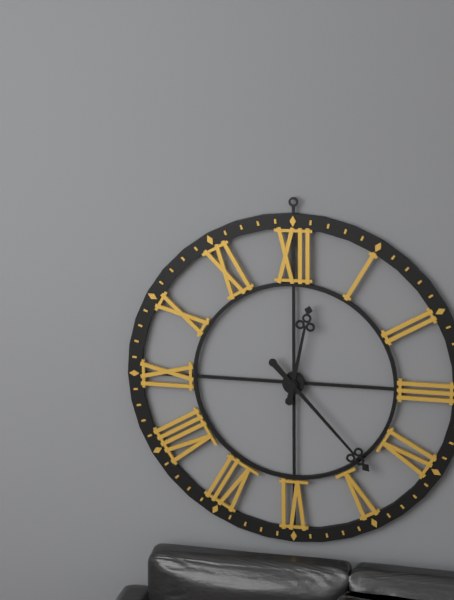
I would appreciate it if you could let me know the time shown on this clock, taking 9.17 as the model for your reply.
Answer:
12.23
